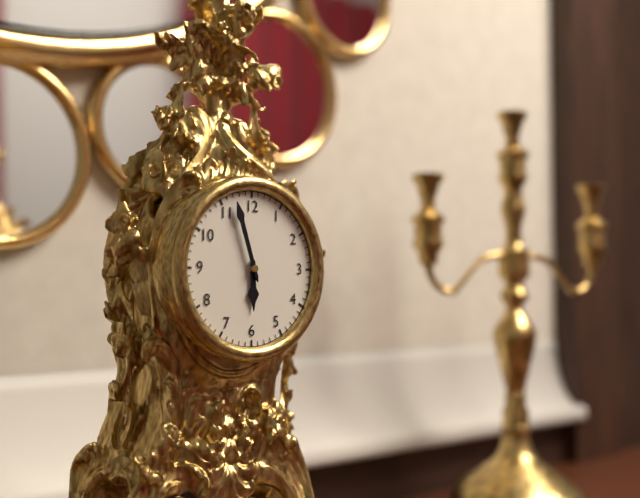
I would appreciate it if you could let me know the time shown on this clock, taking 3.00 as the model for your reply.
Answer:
5.57
